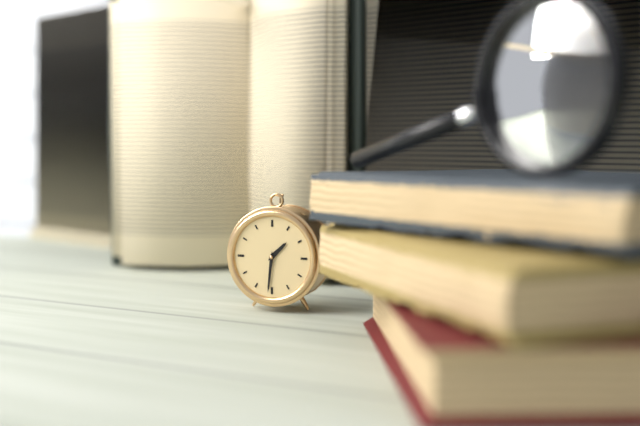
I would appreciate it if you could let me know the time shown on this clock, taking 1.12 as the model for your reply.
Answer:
1.31
